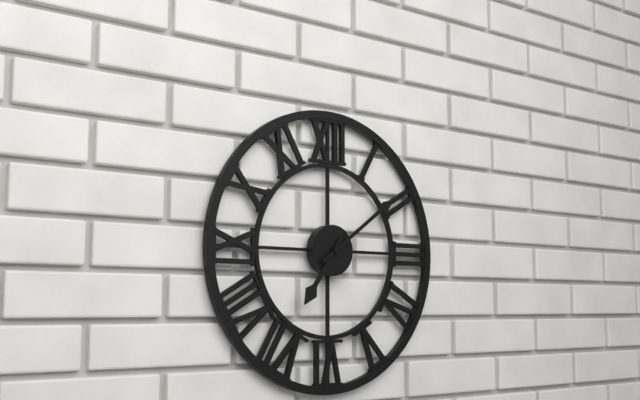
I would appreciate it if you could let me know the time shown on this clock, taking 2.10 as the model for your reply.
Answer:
7.09
